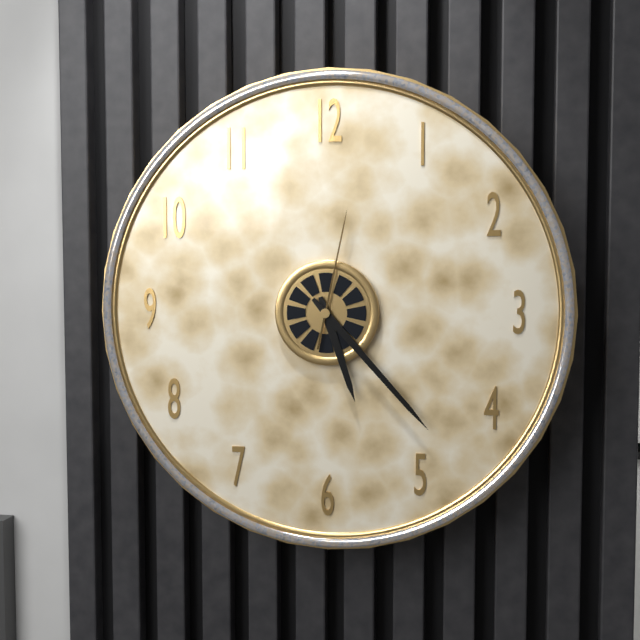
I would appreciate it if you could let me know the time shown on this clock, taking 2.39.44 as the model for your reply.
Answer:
5.23.02
